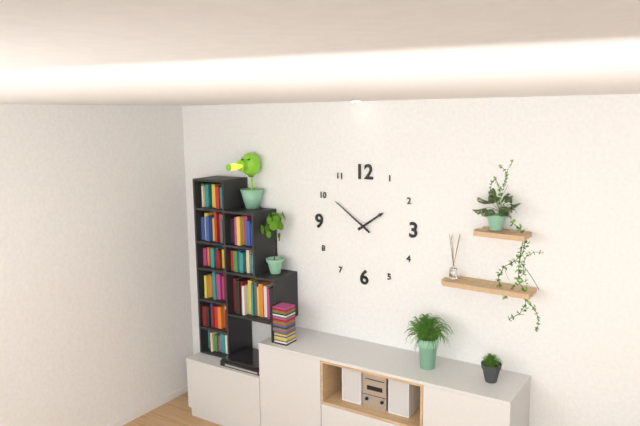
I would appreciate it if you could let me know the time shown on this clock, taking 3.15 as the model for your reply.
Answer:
1.51
